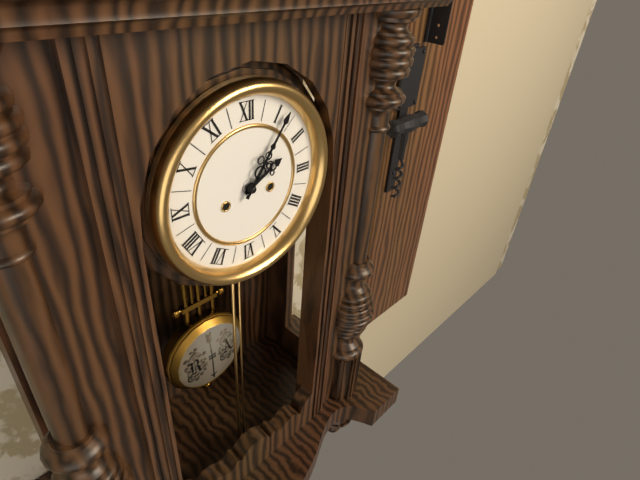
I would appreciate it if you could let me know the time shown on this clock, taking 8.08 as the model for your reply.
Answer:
2.06
